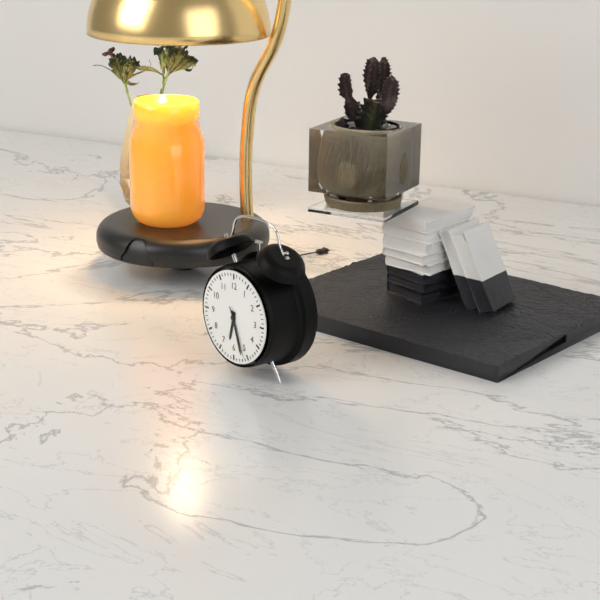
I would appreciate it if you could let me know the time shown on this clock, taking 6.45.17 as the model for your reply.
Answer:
6.27.26
